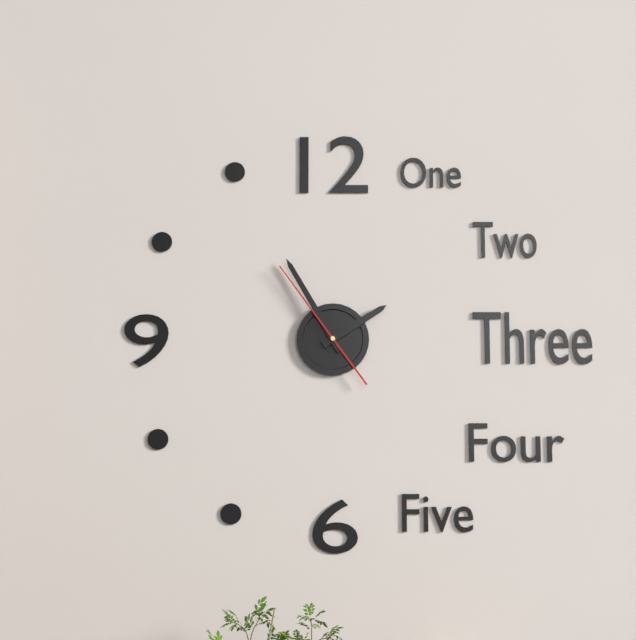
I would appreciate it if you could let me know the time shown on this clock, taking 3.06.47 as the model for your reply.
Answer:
1.55.54
